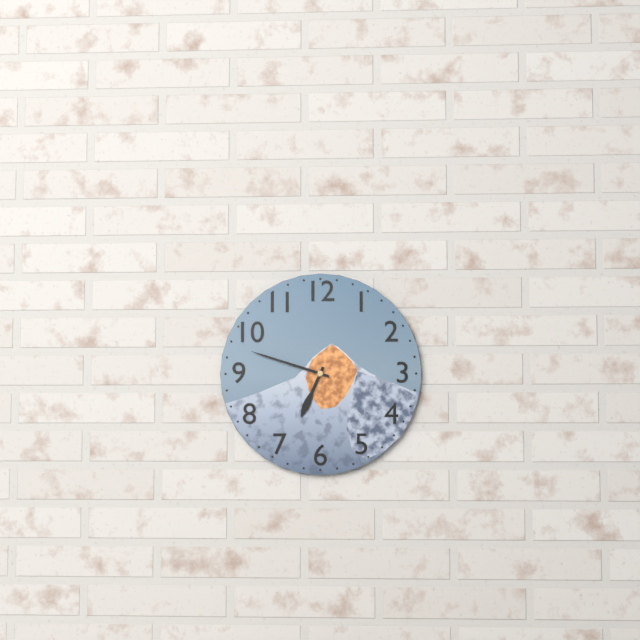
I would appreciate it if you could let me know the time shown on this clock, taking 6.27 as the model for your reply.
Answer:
6.48
